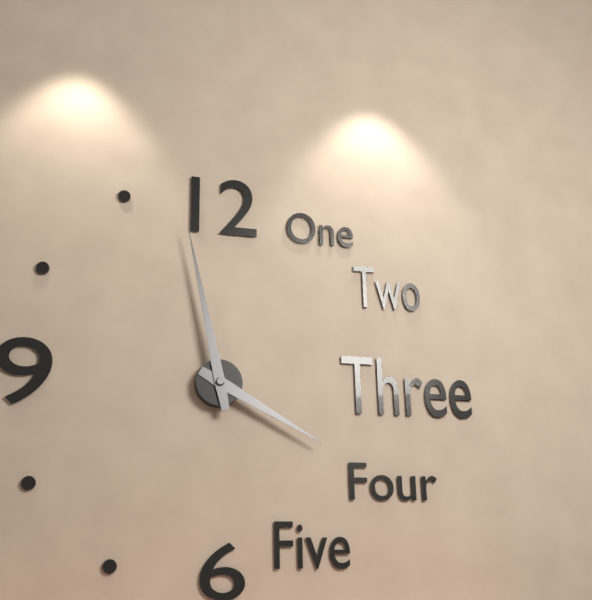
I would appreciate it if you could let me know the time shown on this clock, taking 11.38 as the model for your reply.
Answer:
3.58
